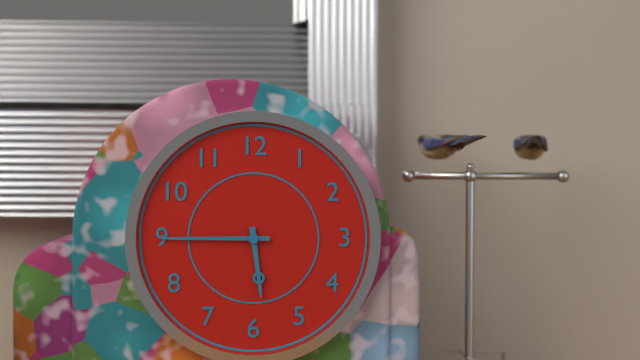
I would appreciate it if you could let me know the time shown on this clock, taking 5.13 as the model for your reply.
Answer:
5.45
